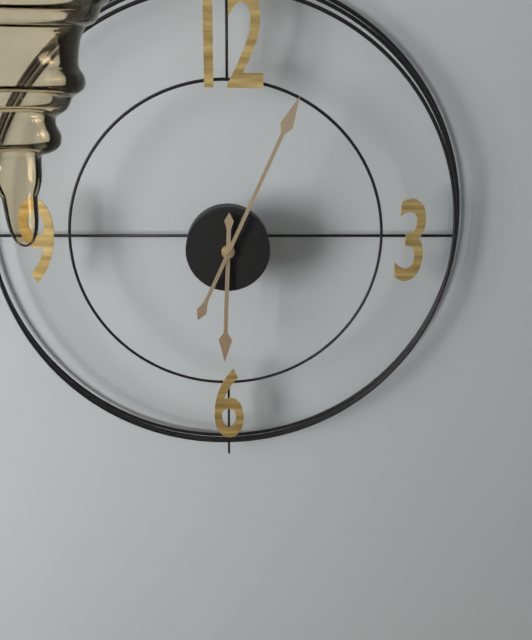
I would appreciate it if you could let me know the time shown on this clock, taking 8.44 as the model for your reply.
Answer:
6.04
